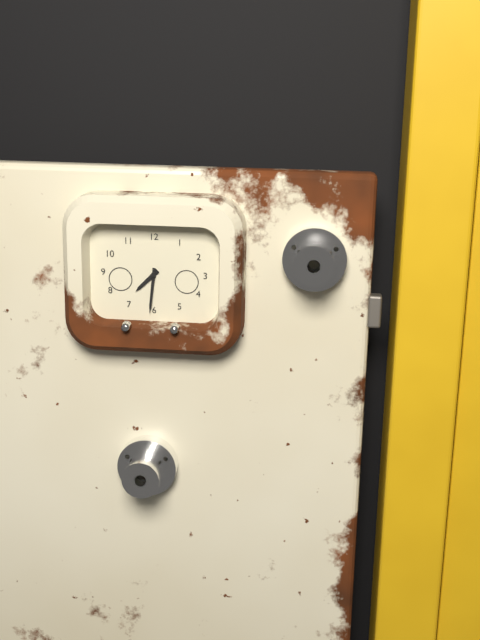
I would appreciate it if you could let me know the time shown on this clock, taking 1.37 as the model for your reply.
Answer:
7.31
